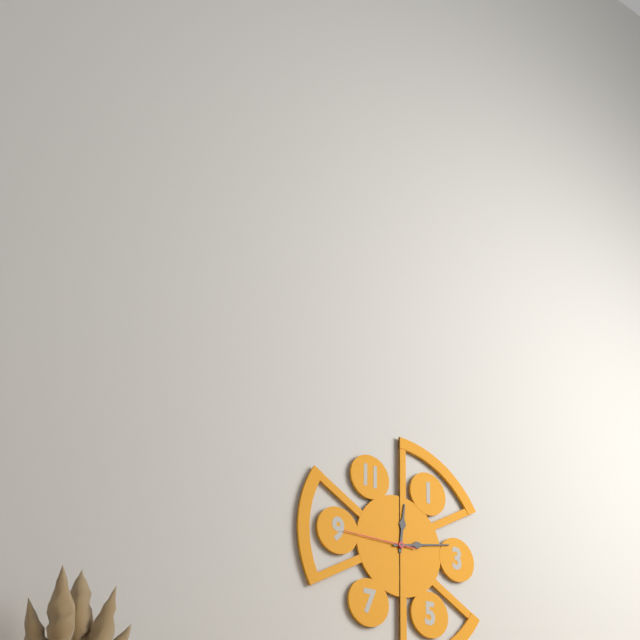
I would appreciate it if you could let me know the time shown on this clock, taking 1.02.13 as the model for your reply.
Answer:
12.13.45
